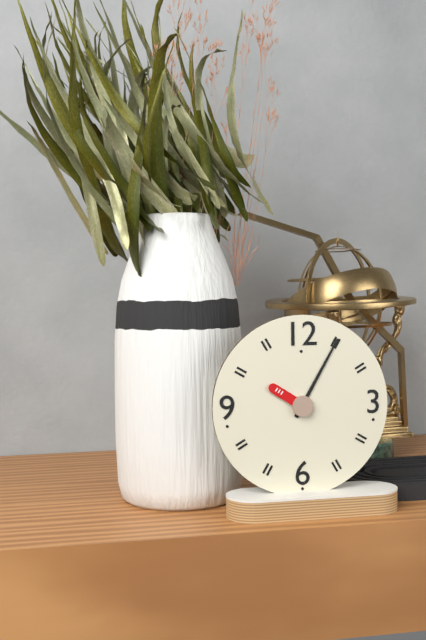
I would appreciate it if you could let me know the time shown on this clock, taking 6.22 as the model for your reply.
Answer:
10.05
